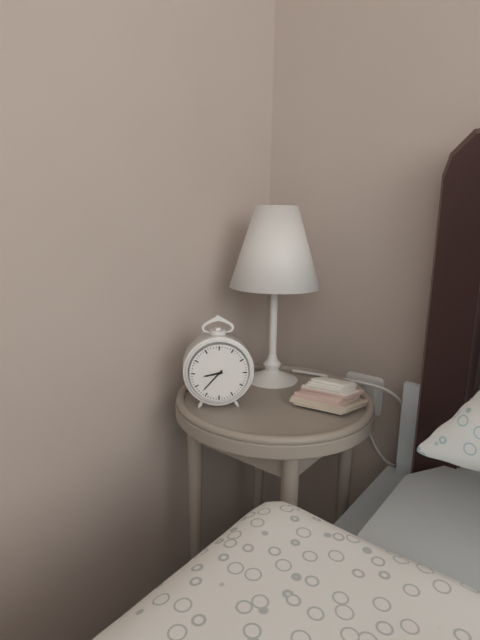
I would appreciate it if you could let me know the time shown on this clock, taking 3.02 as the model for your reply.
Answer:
8.37
